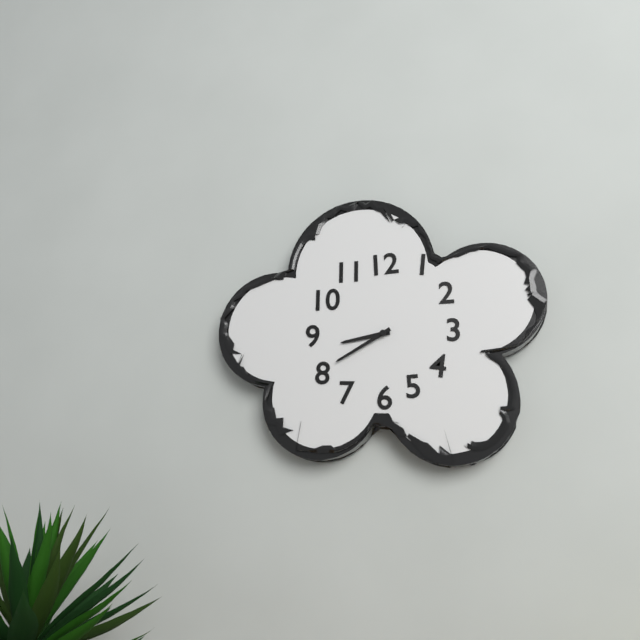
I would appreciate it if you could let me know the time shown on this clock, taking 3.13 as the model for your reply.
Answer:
8.40
